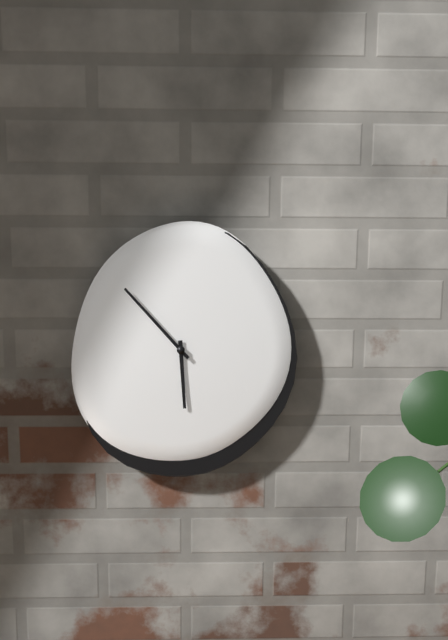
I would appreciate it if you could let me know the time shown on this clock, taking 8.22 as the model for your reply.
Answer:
5.53
